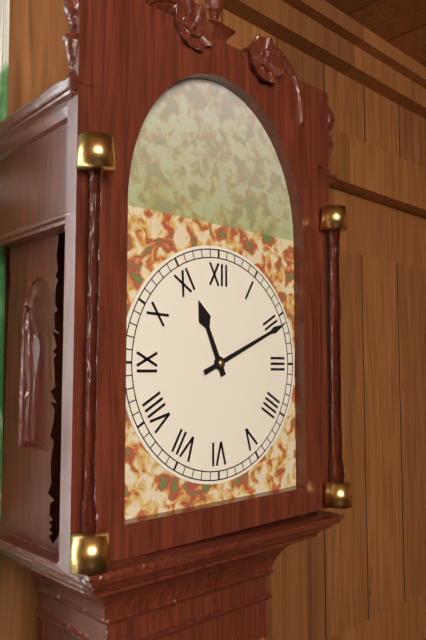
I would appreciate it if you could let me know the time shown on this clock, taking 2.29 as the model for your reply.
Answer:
11.11
